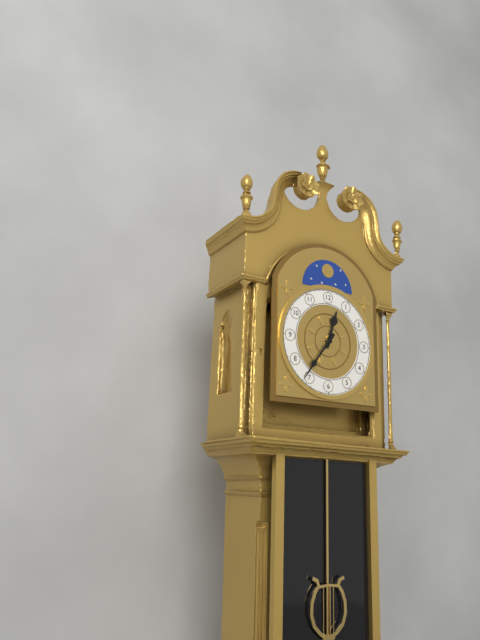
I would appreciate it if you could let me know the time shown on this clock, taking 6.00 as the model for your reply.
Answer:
12.36
